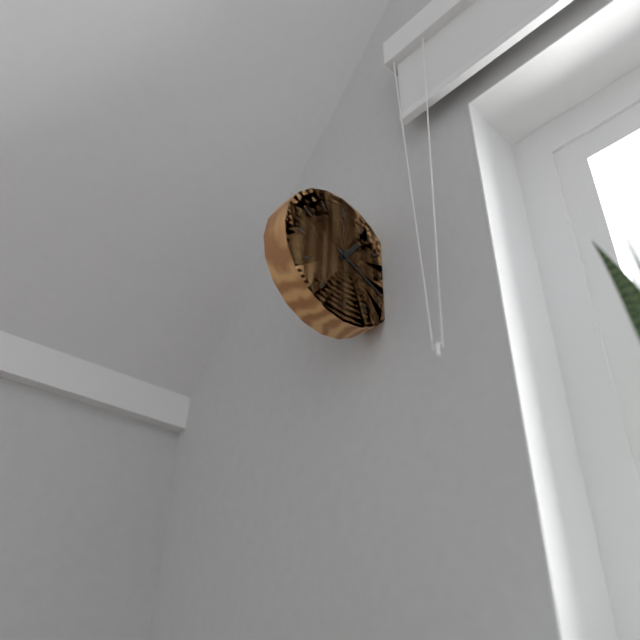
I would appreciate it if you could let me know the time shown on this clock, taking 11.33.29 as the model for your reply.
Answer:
1.19.59
